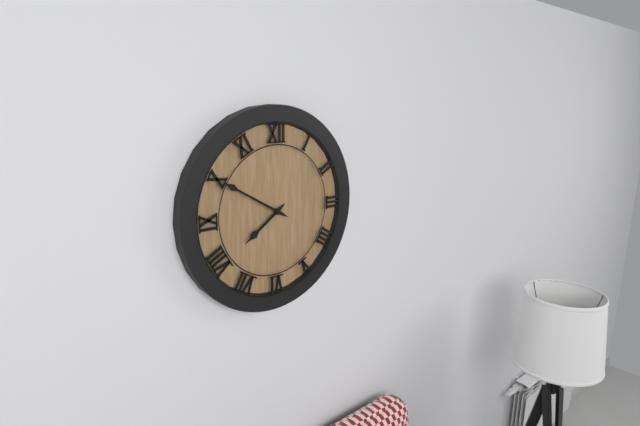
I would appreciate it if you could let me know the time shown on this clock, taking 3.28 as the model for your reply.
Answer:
7.50
